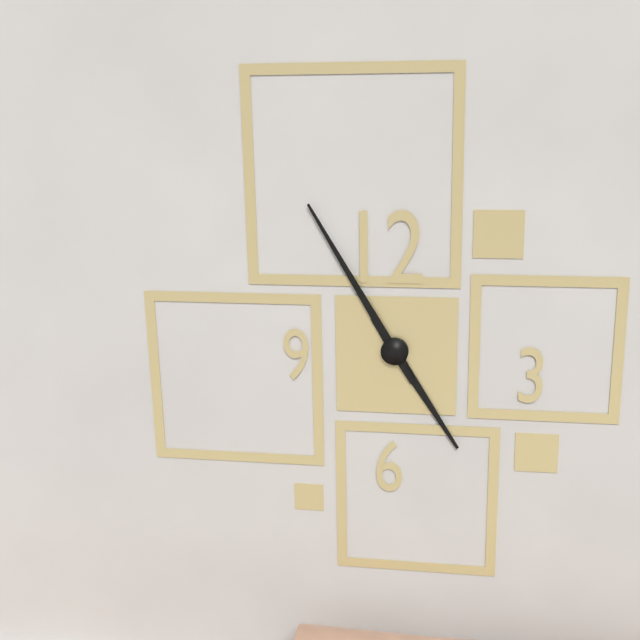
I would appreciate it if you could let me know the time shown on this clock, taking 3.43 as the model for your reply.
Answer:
4.55
